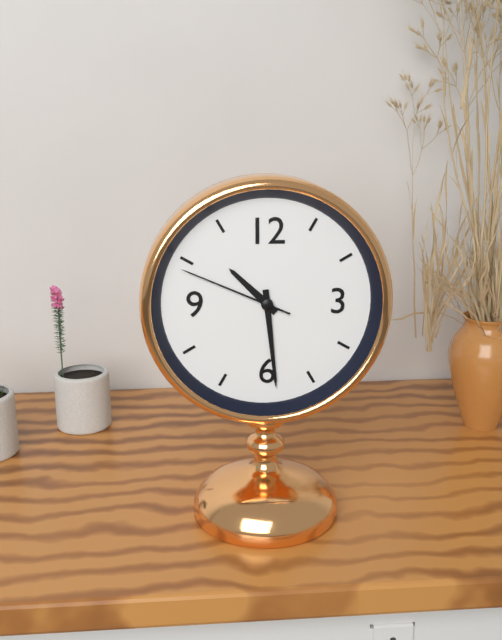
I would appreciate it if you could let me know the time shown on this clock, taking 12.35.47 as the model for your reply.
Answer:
10.29.49
